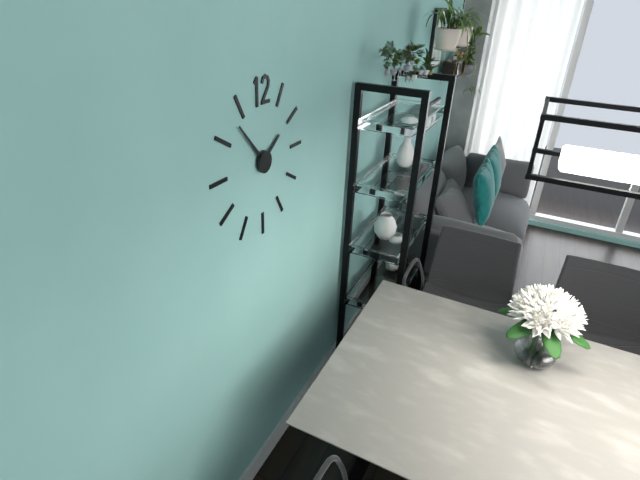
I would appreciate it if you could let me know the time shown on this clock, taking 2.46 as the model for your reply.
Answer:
1.53
